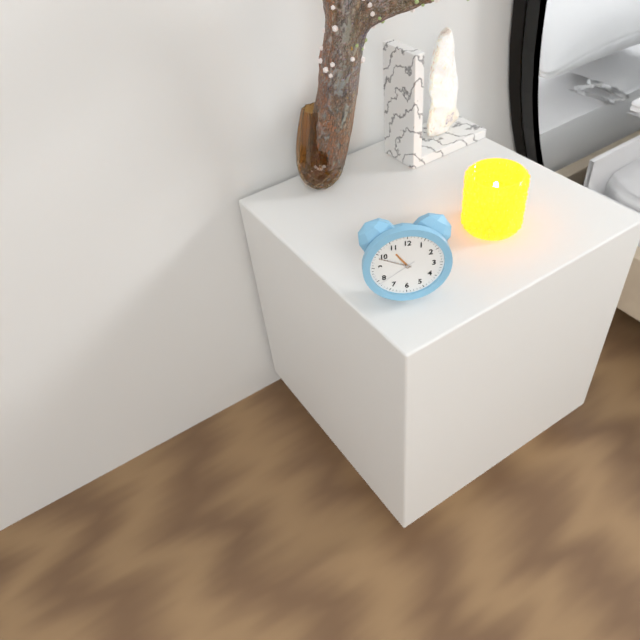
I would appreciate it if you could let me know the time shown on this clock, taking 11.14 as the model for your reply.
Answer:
10.49
